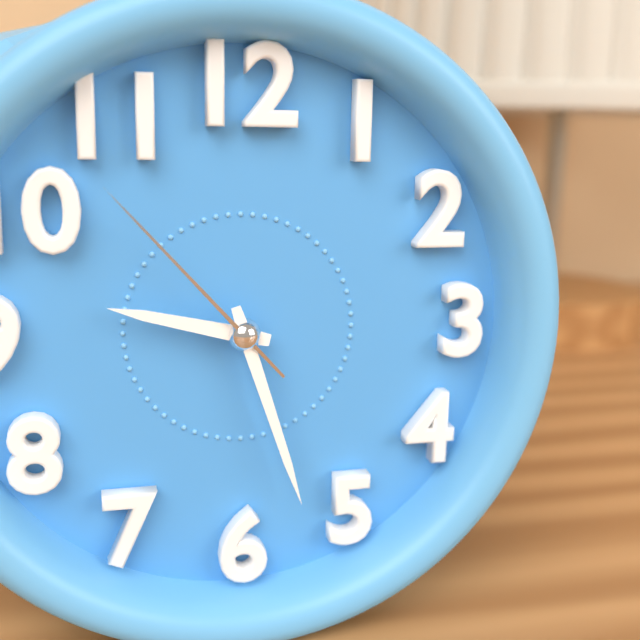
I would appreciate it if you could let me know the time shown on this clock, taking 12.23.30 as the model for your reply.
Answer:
9.27.53
